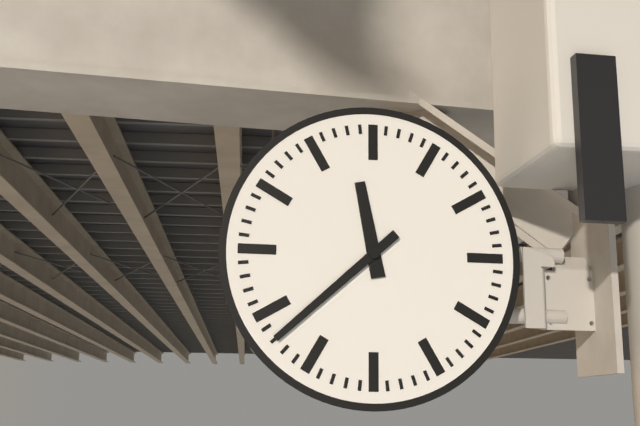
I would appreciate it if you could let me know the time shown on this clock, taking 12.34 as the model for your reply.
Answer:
11.38
